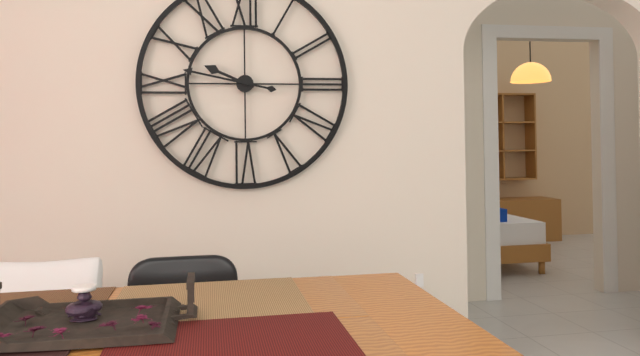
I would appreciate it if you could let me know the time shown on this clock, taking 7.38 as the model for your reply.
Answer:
9.47
